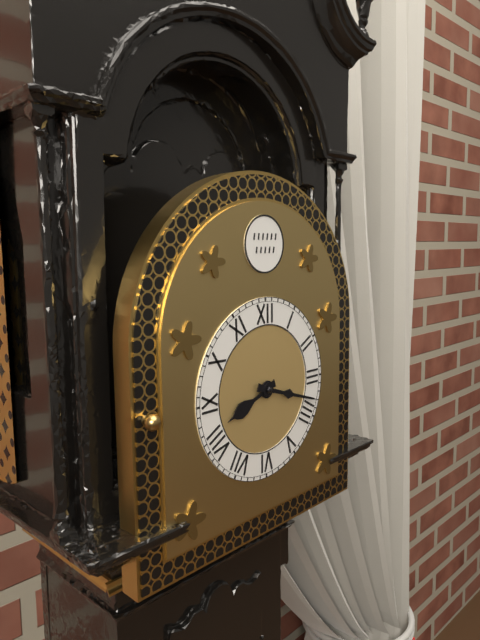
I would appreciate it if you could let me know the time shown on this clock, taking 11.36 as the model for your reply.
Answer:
8.18
